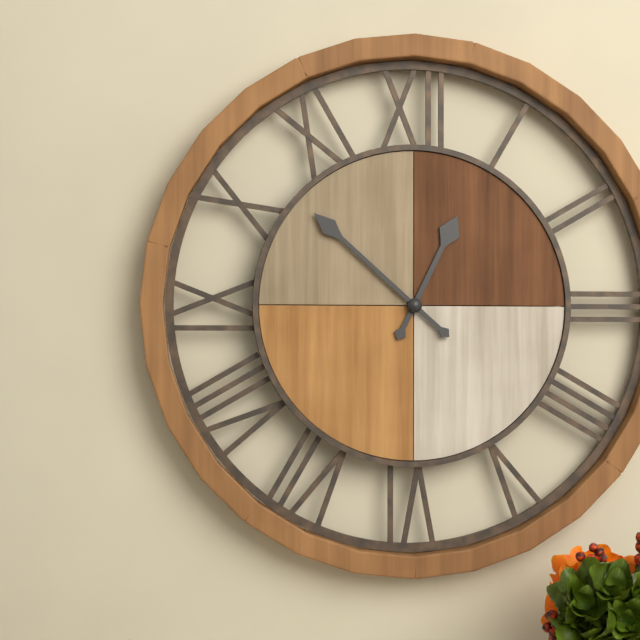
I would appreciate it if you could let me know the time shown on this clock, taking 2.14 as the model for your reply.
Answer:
12.52
